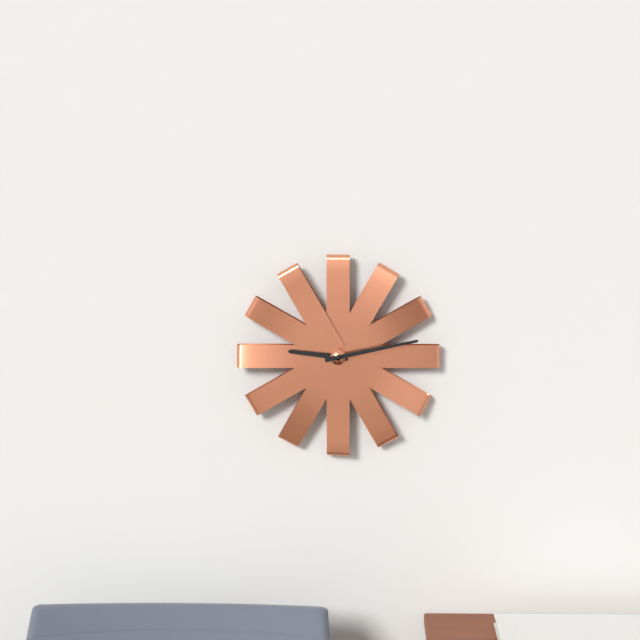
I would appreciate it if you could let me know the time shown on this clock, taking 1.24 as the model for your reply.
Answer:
9.13
